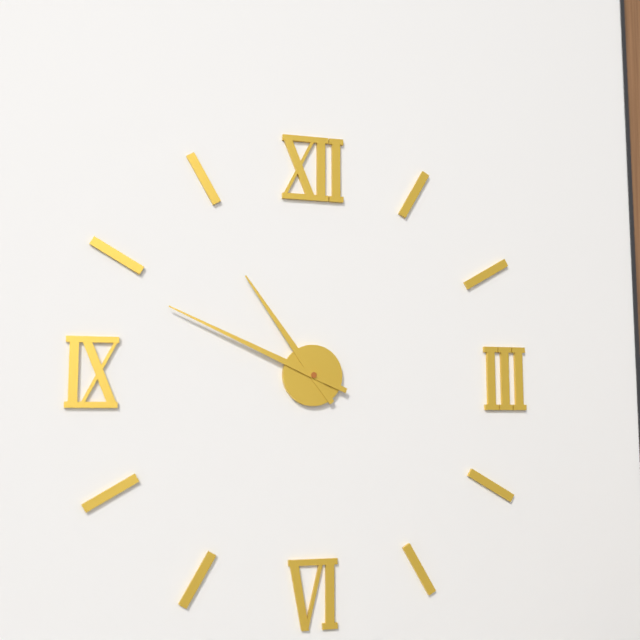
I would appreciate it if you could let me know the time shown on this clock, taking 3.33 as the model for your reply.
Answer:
10.49
